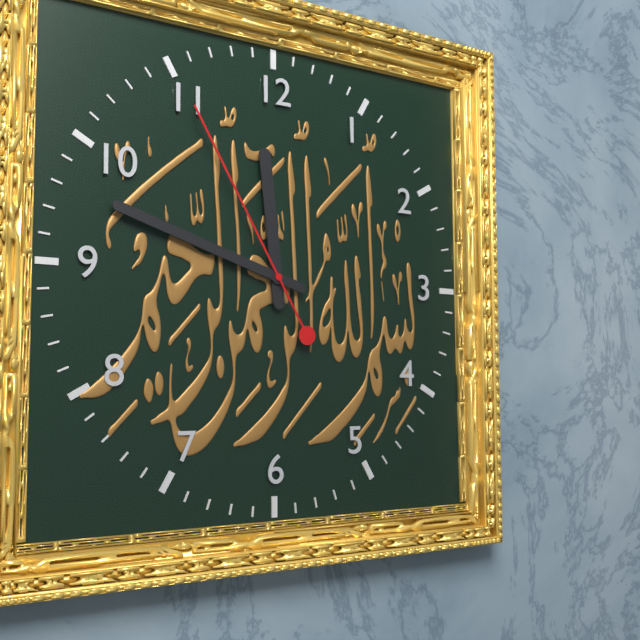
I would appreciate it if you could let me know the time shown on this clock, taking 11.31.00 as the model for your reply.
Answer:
11.48.55
